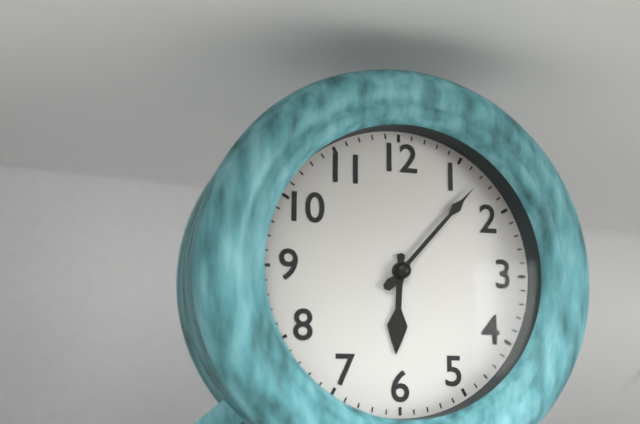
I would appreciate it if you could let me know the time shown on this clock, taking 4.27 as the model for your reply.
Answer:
6.07
